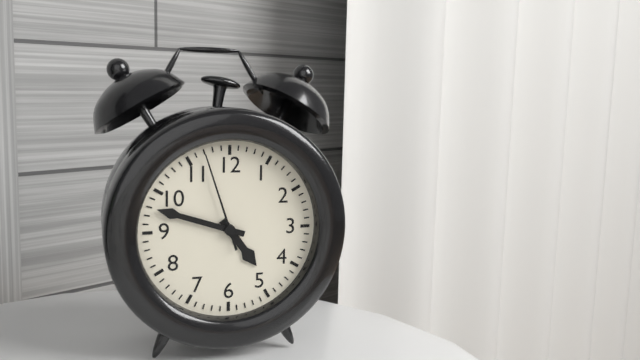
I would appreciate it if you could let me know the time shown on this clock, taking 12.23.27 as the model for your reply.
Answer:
4.48.57
